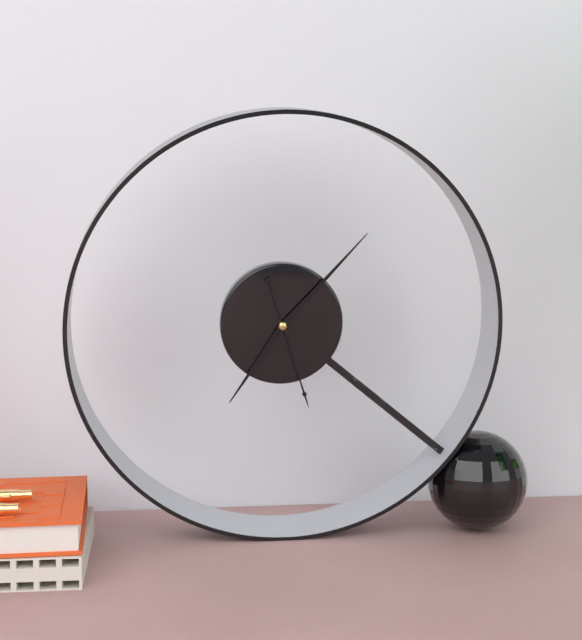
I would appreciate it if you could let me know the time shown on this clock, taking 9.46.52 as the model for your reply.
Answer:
7.07.27
